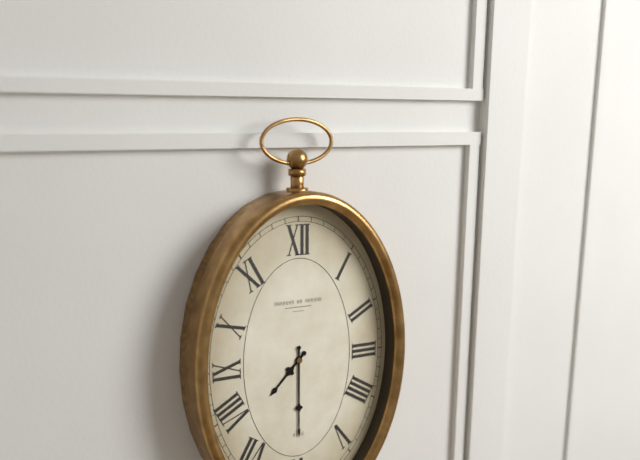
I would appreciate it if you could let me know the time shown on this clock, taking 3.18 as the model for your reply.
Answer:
7.30
